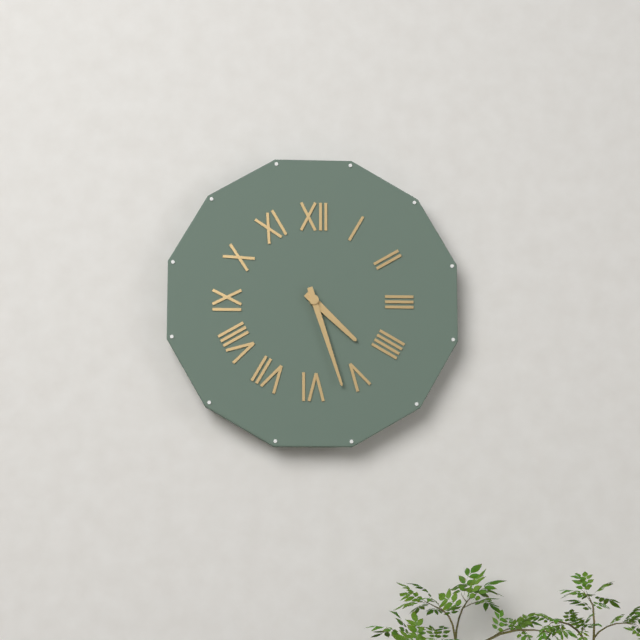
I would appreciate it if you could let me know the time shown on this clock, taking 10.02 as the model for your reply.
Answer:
4.27
